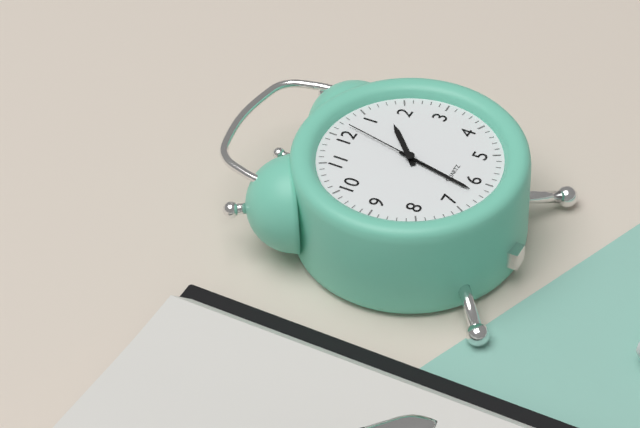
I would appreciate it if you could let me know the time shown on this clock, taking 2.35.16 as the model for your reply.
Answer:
1.32.02
